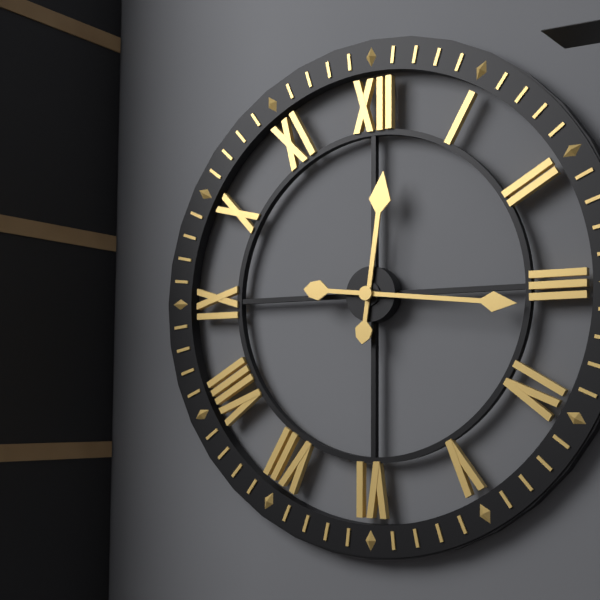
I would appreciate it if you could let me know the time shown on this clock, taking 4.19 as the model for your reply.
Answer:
12.16
